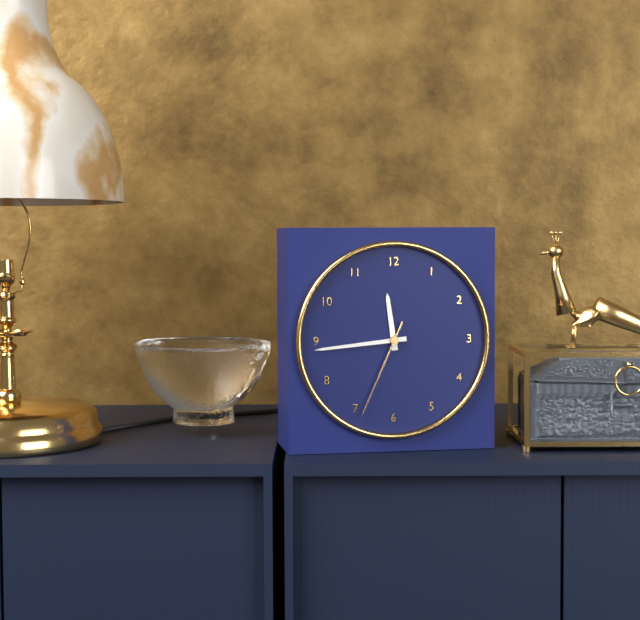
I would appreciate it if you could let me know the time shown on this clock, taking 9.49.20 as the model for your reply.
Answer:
11.44.34
